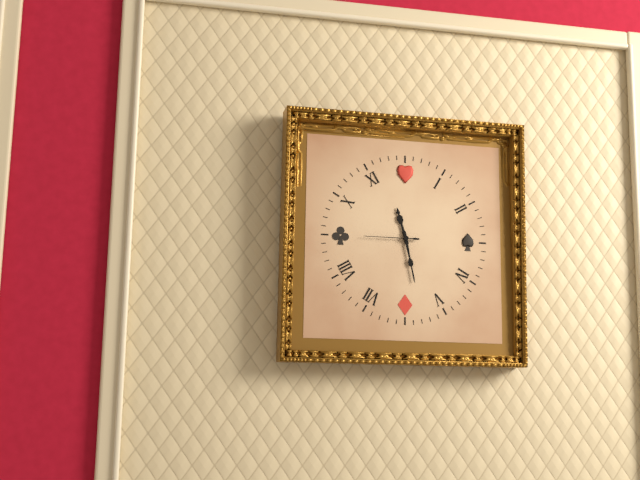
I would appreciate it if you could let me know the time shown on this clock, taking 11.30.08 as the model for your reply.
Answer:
11.28.45
